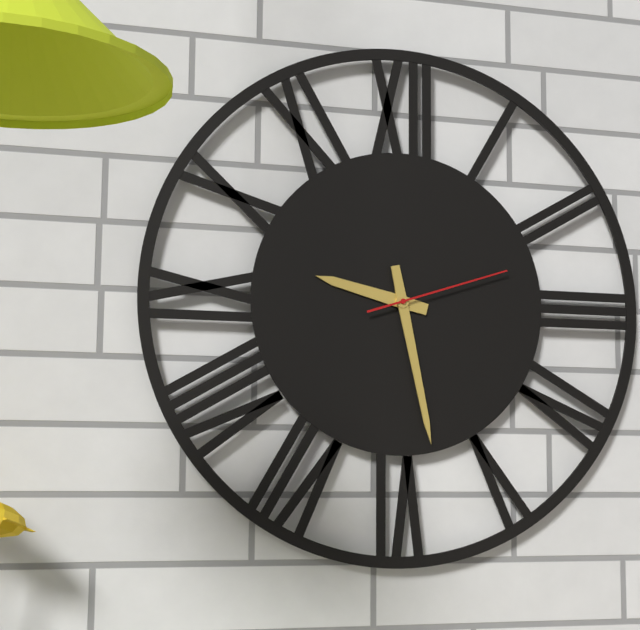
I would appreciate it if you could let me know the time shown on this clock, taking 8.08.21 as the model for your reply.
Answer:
9.28.12
